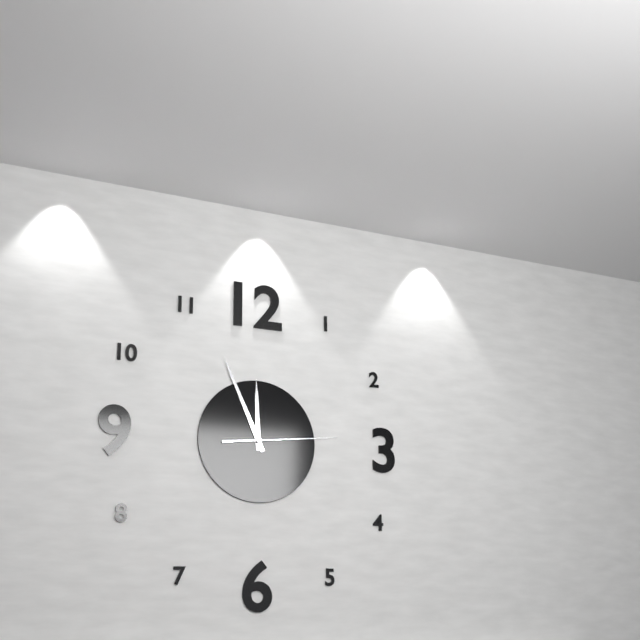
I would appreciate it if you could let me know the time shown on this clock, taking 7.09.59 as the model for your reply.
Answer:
11.56.14
